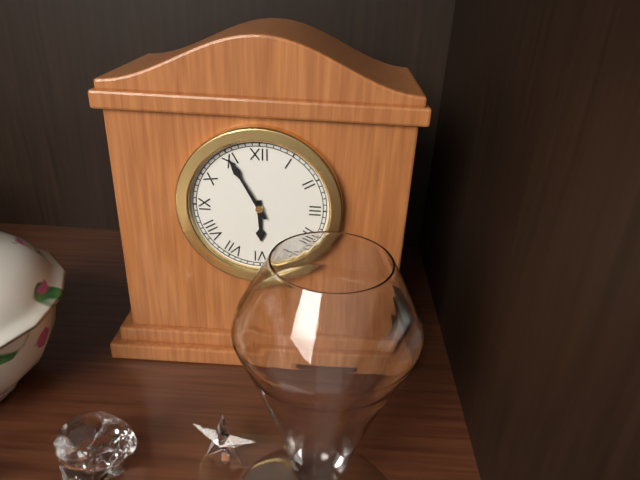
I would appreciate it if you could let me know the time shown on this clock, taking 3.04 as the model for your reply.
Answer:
5.55
